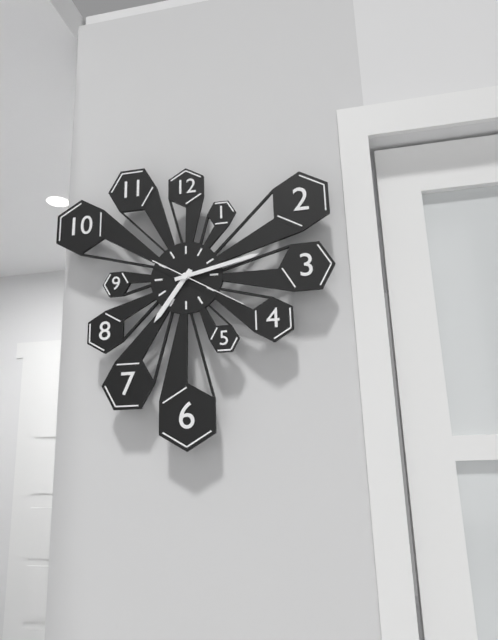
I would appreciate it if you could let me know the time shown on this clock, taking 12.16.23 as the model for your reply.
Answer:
7.13.20
